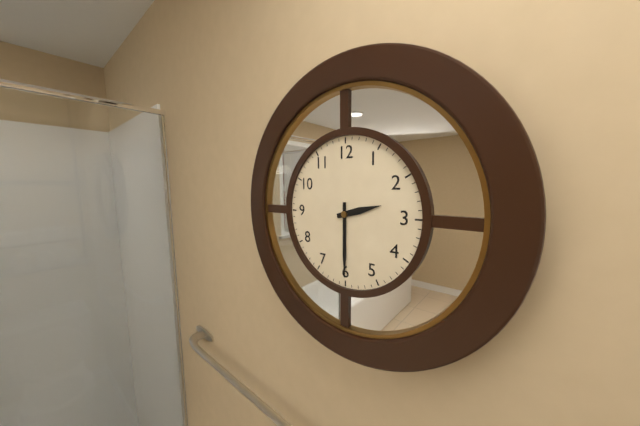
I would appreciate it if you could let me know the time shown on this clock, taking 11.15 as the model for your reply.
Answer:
2.30
